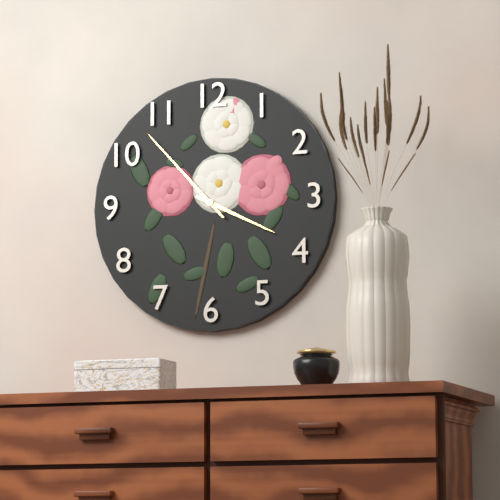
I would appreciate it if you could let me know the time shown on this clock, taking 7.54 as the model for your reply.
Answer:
3.53
